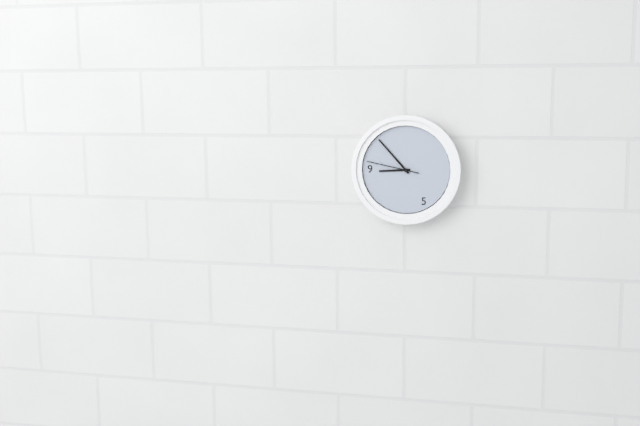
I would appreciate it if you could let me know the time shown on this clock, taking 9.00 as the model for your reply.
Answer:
8.53
